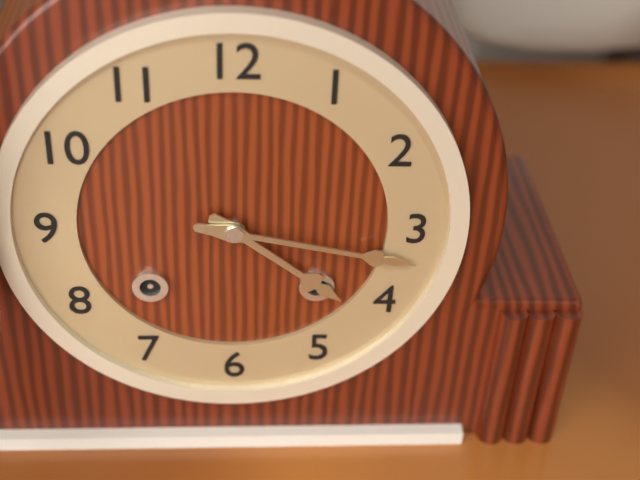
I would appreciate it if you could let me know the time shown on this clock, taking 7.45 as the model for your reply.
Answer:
4.17
